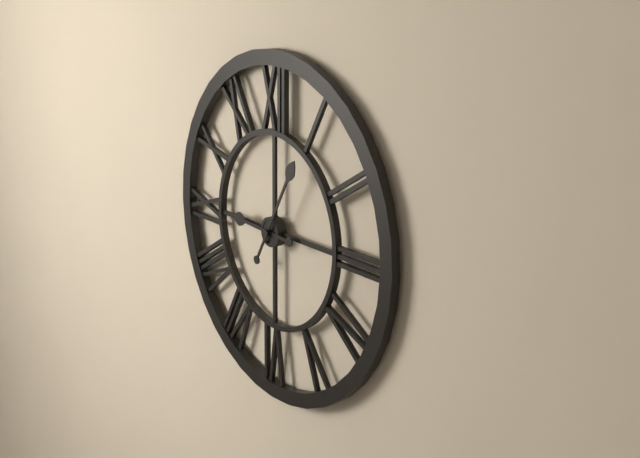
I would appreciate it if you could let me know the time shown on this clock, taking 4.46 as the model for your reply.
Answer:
9.05
